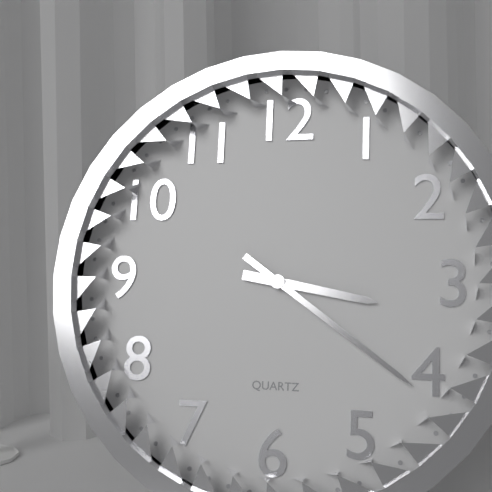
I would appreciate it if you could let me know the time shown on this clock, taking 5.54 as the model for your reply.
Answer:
3.21
